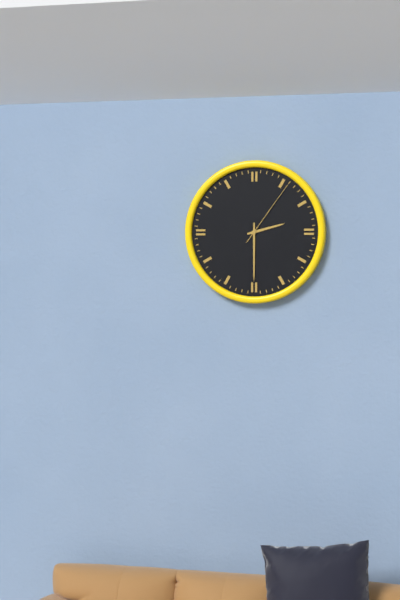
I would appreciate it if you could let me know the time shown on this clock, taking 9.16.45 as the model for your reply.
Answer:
2.30.06
